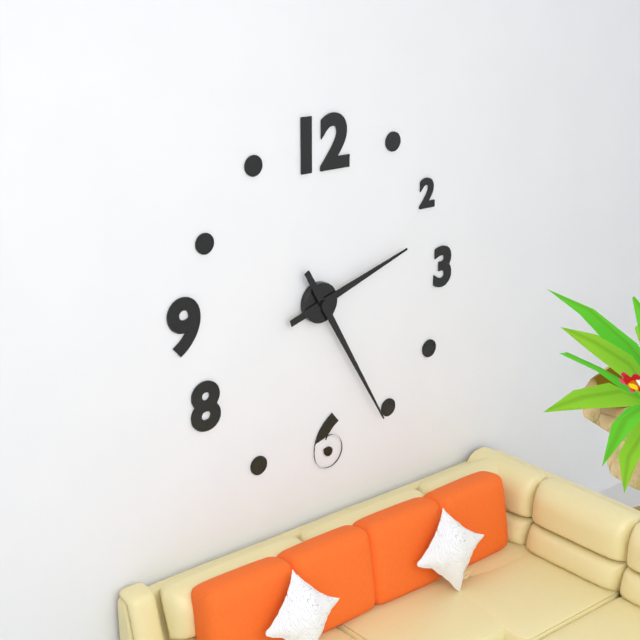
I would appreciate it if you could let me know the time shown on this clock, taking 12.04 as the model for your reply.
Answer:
2.25
